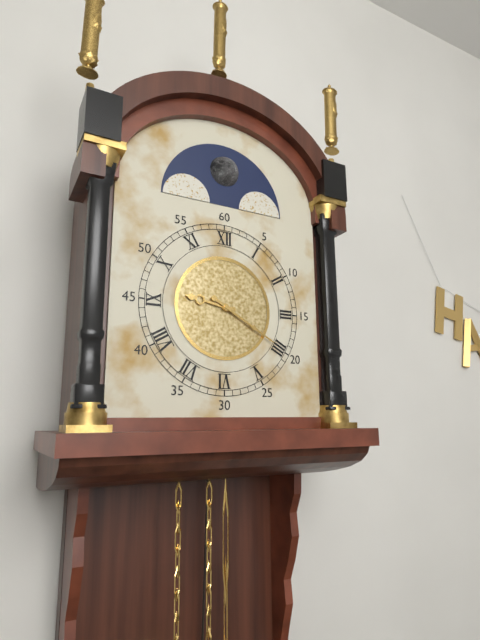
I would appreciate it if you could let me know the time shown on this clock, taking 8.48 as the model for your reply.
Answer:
9.20
